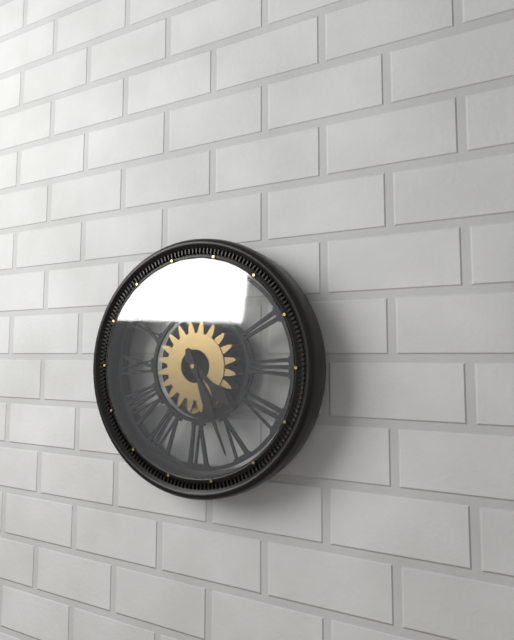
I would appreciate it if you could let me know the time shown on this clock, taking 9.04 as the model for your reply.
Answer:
4.26
